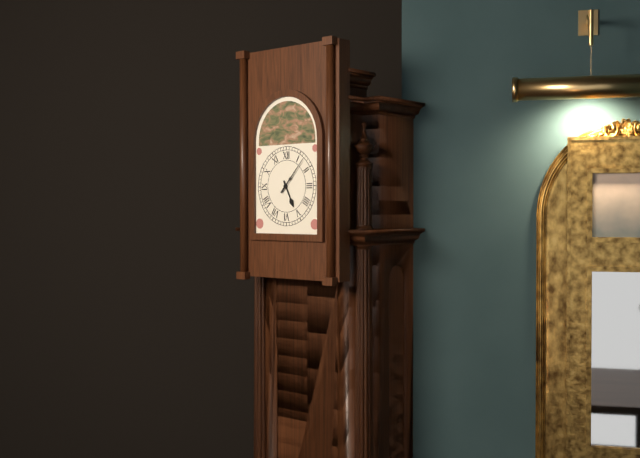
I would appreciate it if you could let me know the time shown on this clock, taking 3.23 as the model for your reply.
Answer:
5.07
